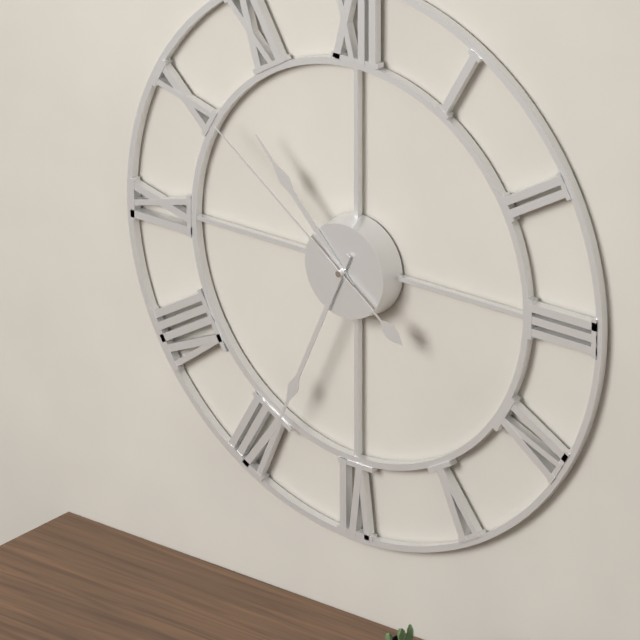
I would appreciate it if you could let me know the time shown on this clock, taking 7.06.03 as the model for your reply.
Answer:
10.34.51
